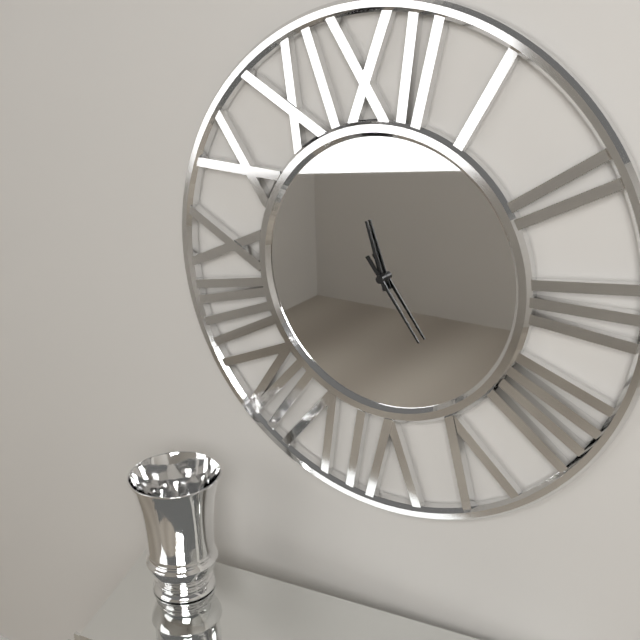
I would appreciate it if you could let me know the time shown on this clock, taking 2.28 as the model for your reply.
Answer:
11.24
